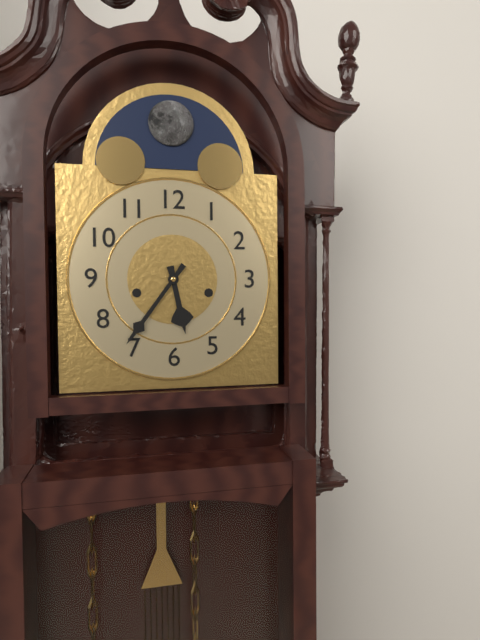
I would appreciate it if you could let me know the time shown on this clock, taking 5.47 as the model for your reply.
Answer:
5.36
